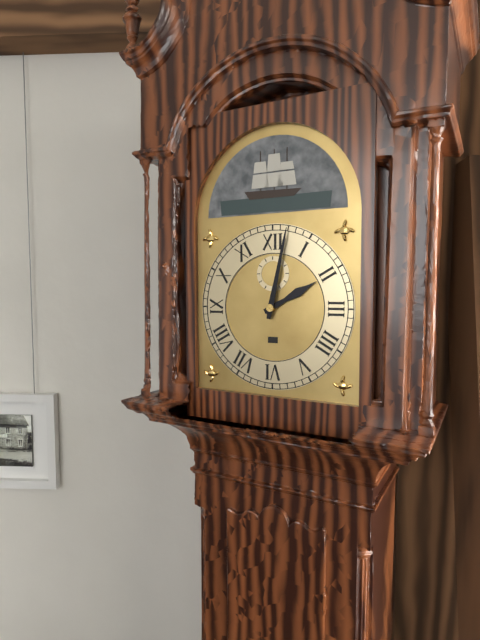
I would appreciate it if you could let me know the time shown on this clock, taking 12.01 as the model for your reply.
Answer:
2.02
